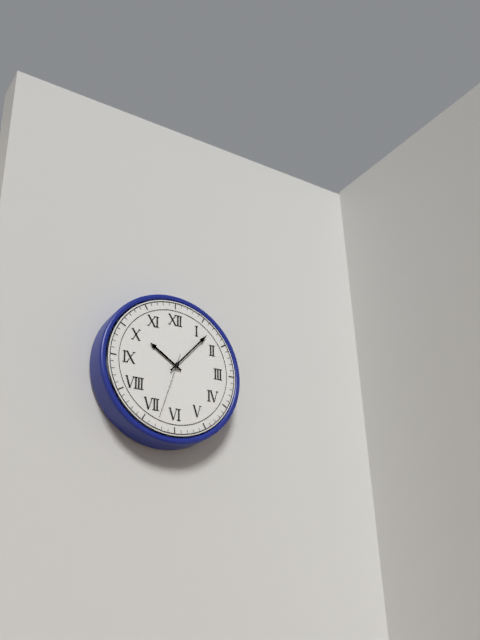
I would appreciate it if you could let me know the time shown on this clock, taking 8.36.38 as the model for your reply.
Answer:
10.07.33
